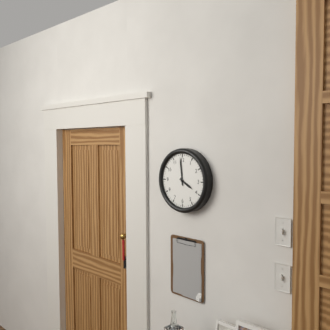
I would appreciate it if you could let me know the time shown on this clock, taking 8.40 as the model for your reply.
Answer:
3.59
